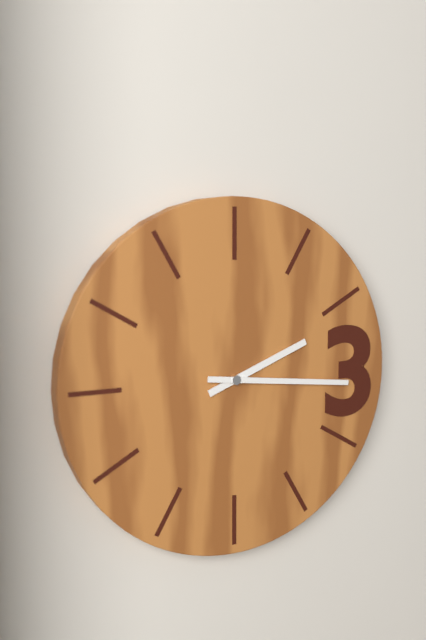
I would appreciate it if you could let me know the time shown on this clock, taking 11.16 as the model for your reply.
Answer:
2.16
